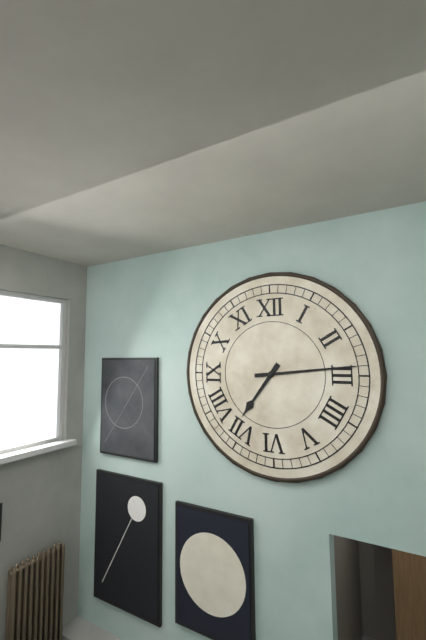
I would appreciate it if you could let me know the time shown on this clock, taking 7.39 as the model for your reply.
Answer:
7.14
